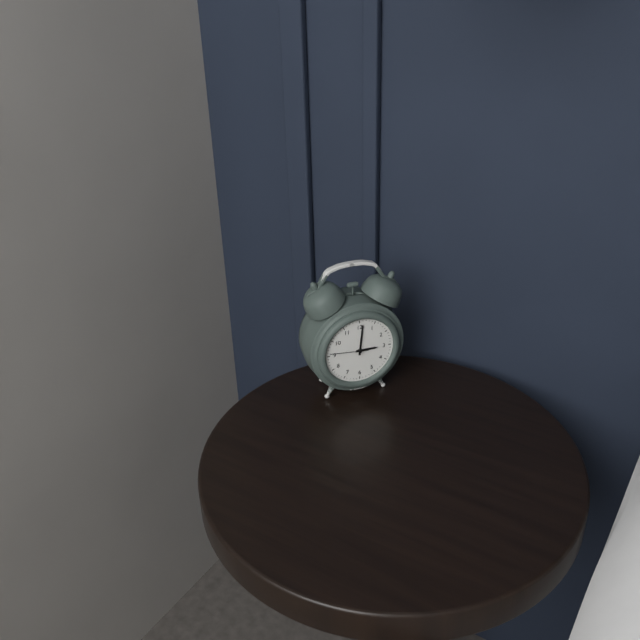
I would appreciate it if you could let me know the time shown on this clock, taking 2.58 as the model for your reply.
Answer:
3.01
